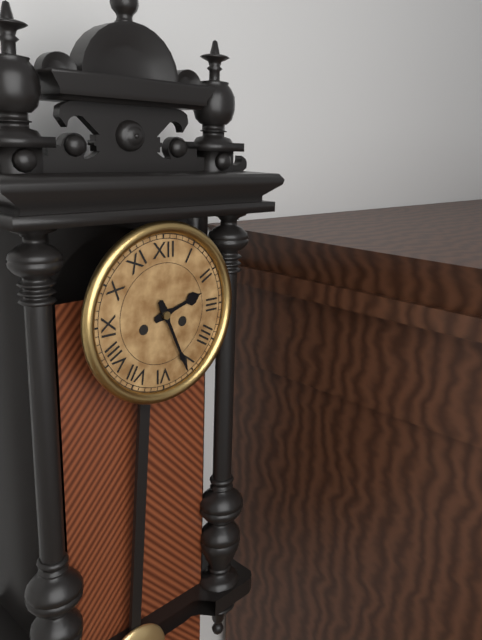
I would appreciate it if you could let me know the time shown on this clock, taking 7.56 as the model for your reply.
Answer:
2.26
